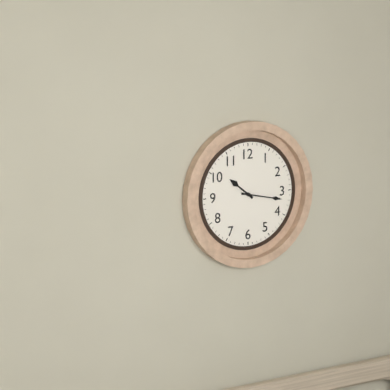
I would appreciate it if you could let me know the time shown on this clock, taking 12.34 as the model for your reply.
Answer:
10.17
